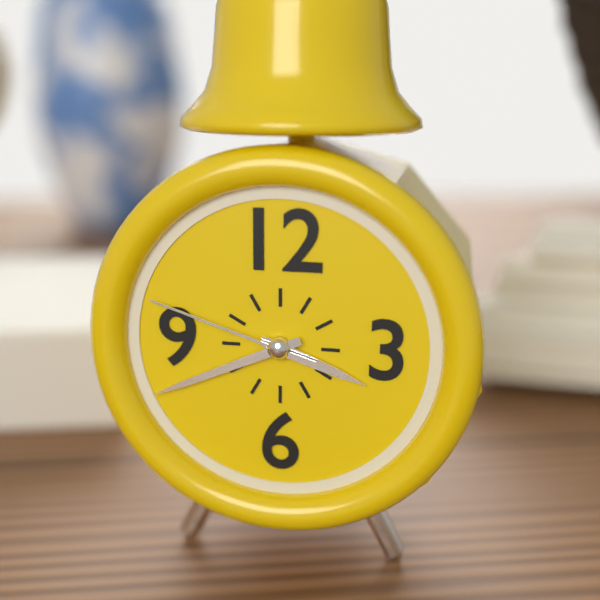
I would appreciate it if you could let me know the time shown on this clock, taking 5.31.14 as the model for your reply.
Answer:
3.41.48
